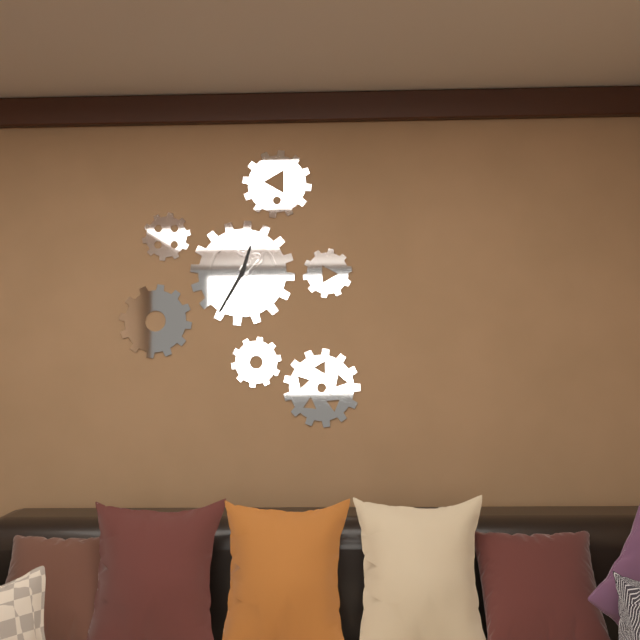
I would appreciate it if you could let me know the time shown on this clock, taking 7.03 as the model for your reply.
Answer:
12.35
